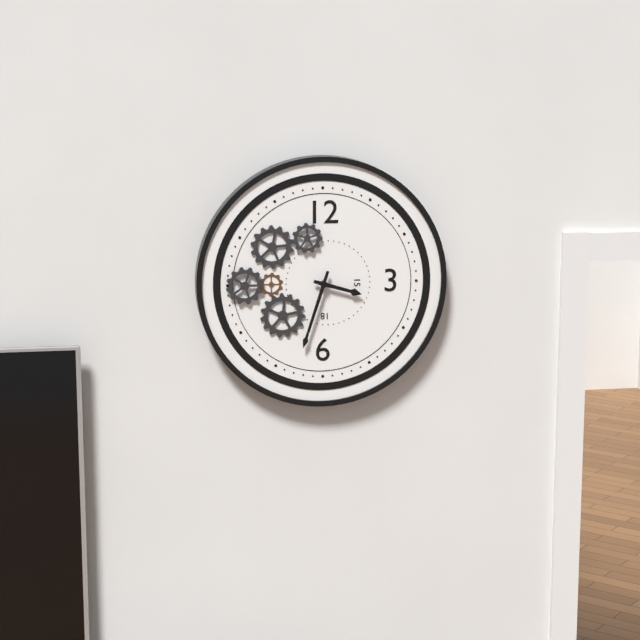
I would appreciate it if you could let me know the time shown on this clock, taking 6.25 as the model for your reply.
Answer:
3.33
